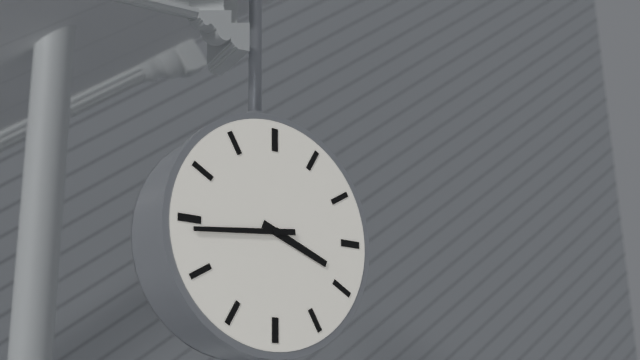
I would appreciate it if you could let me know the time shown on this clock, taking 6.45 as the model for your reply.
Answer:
3.44
